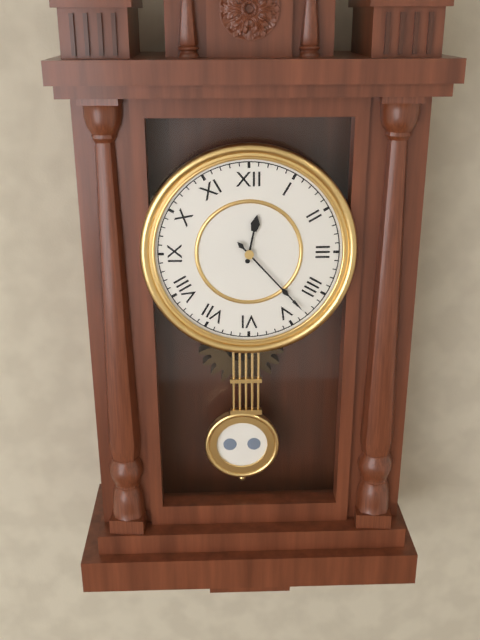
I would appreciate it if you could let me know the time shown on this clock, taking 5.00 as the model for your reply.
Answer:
12.23
